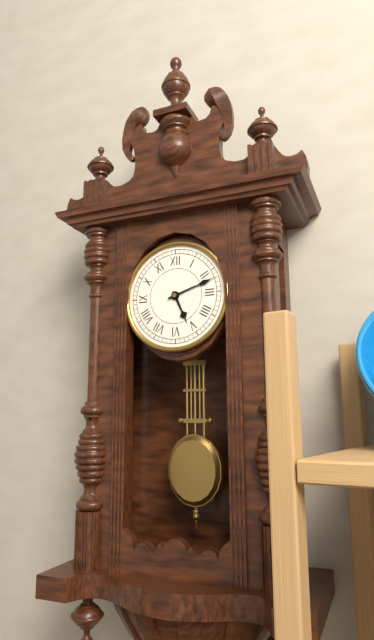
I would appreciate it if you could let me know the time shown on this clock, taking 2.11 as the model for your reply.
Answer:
5.12
